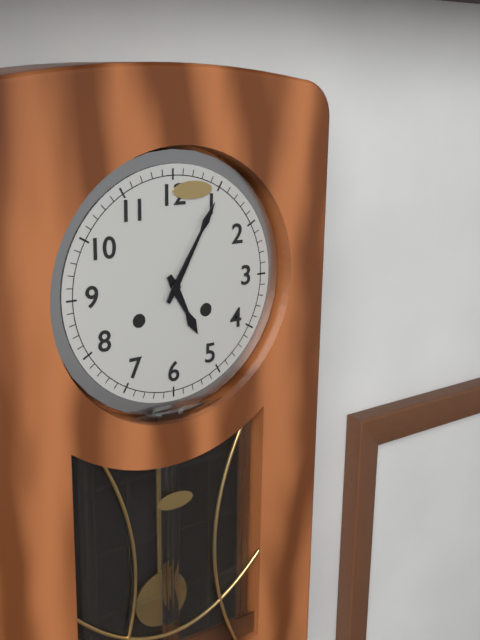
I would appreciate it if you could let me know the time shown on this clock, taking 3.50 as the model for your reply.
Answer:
5.05
